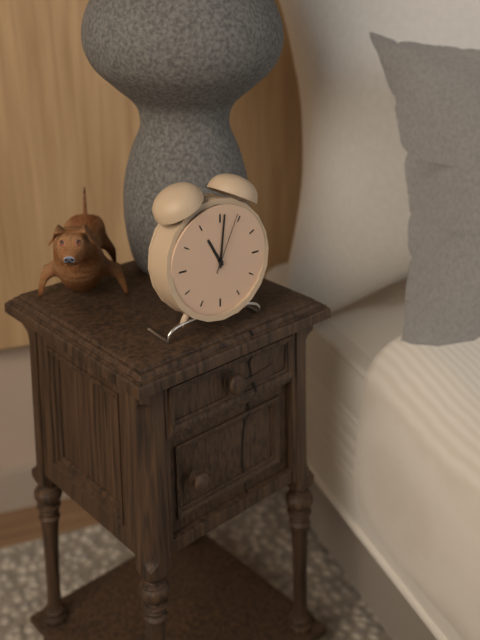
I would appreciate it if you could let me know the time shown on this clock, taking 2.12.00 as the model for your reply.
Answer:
11.01.04
